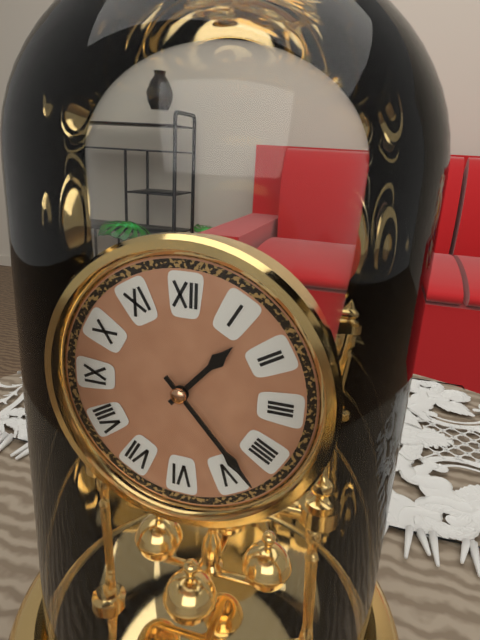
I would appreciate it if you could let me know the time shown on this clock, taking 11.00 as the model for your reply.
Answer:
1.23
